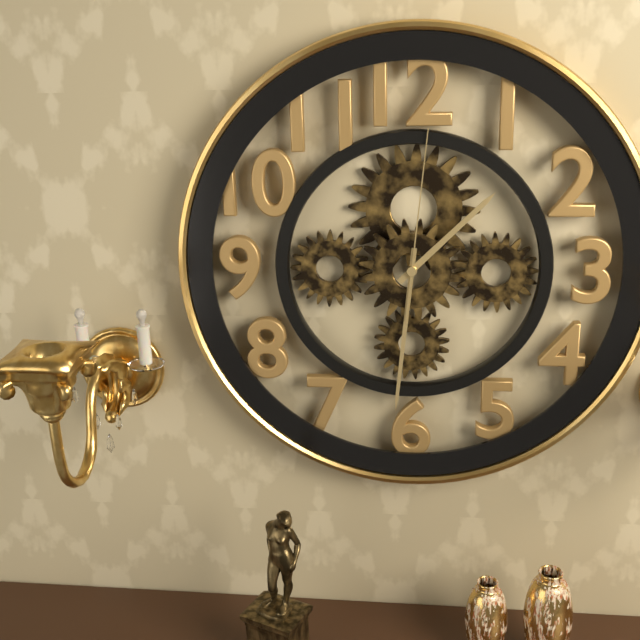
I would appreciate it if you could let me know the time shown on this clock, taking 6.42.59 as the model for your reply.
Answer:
1.31.01
